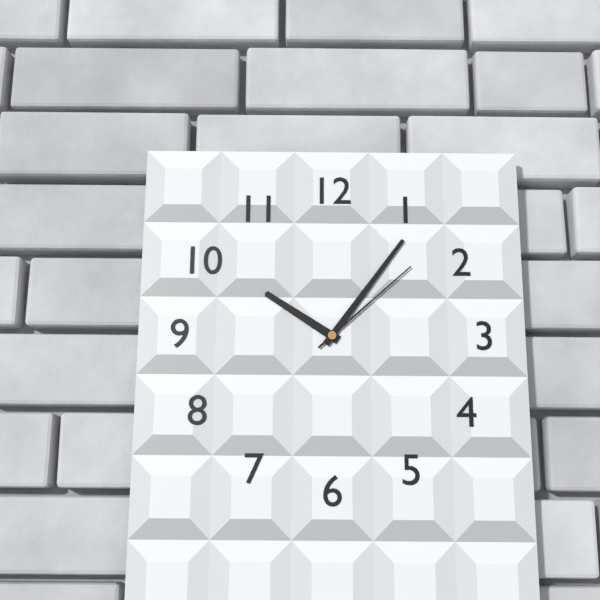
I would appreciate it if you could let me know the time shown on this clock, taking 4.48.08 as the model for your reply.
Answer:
10.06.08
